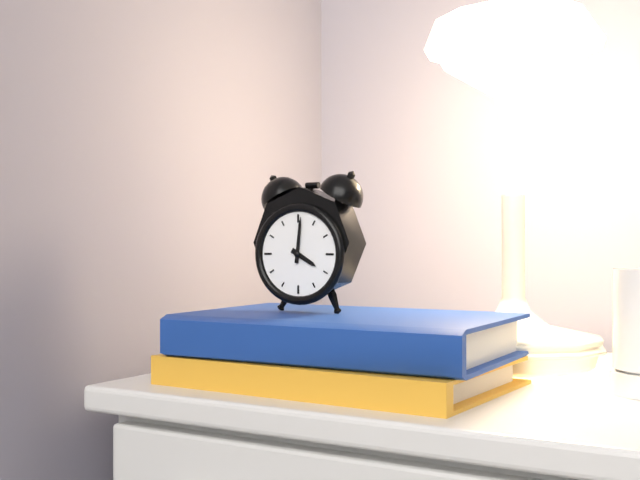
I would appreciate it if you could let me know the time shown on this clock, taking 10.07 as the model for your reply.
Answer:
4.01
